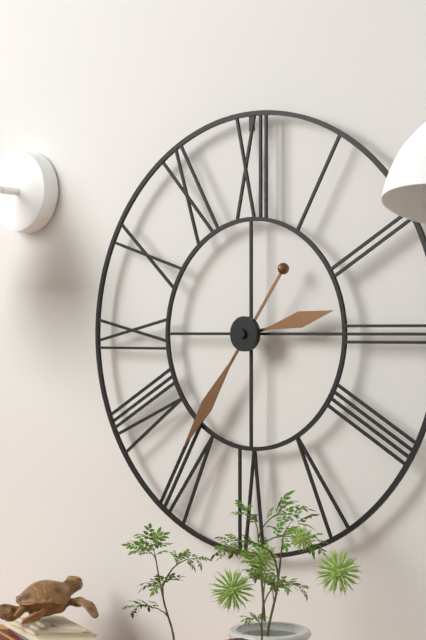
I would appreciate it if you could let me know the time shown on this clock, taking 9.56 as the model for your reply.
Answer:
2.36
